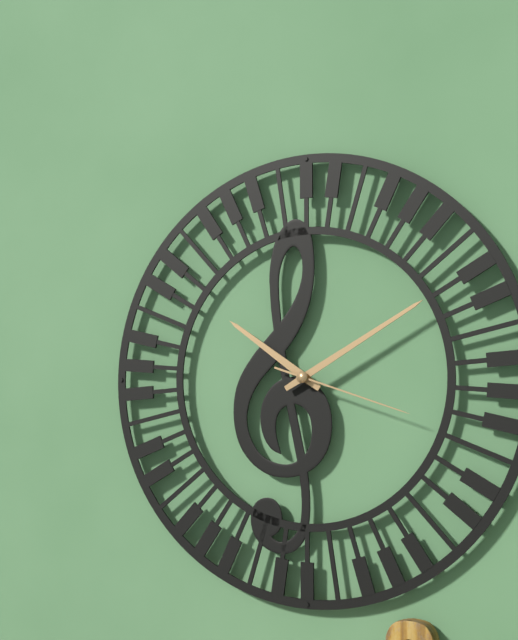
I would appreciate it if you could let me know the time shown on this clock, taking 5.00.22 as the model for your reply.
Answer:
10.10.18
